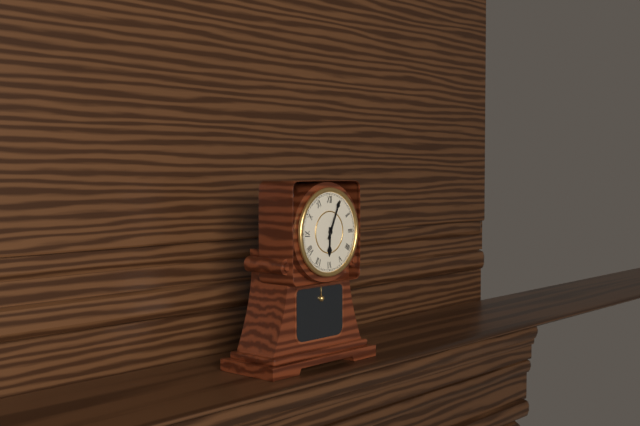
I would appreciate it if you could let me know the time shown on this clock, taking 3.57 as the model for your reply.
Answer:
6.04
